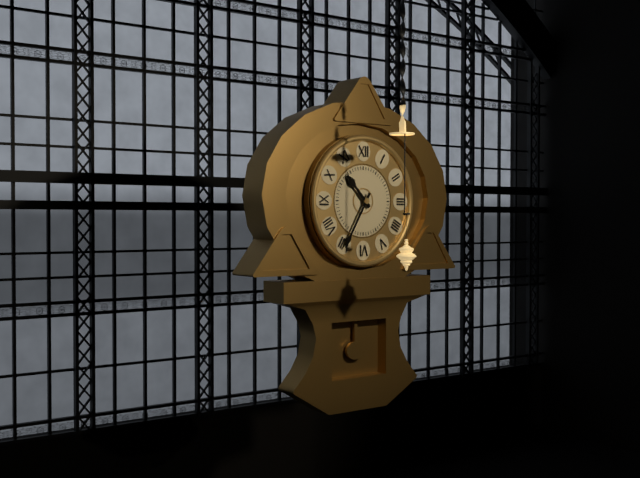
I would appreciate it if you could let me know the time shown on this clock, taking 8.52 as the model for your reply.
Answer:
10.35
